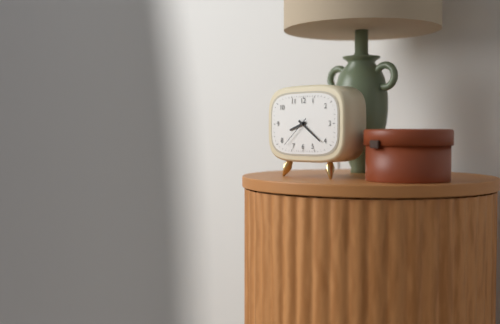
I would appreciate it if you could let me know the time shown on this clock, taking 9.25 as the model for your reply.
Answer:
8.21
